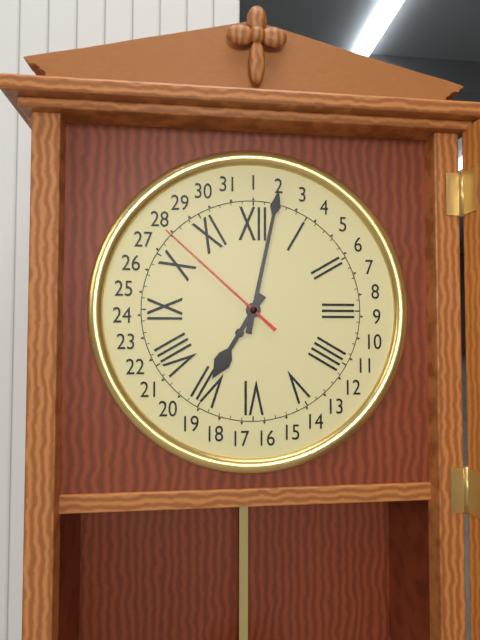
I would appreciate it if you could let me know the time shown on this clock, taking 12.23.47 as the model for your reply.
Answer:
7.02.52
